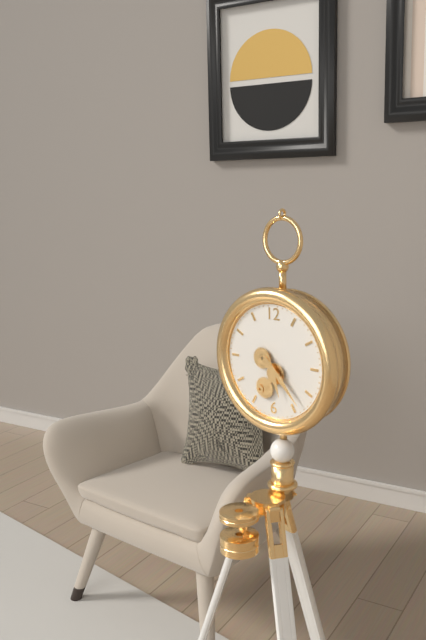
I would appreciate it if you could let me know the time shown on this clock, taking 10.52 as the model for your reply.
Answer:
5.23
